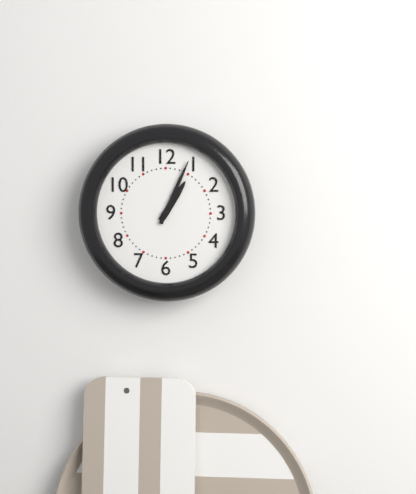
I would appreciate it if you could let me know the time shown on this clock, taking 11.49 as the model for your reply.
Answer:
1.04
